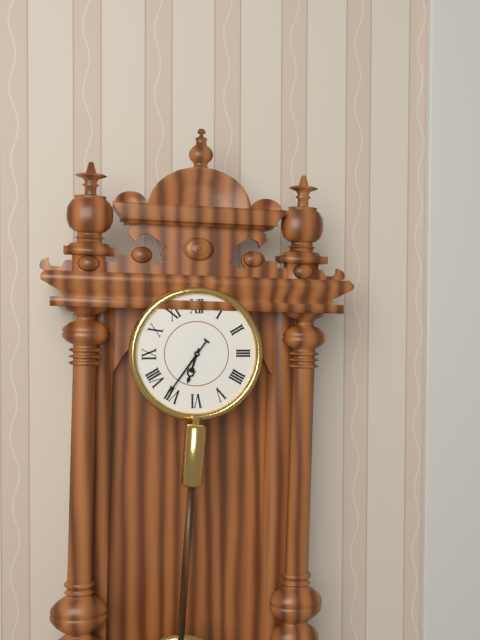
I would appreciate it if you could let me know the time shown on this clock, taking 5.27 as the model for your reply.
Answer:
6.36
